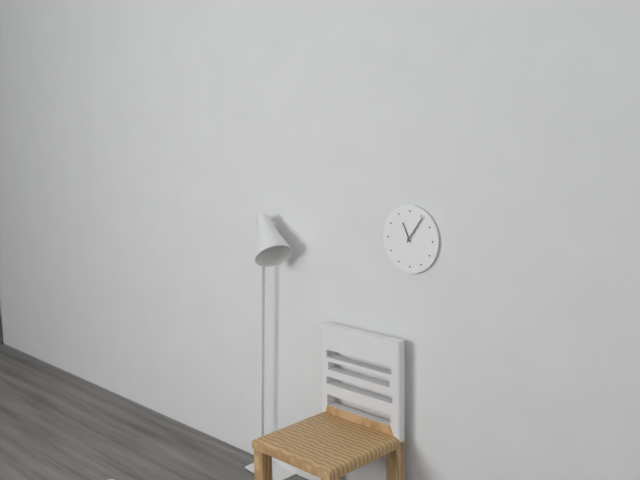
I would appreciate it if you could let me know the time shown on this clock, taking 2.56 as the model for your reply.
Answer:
11.06
